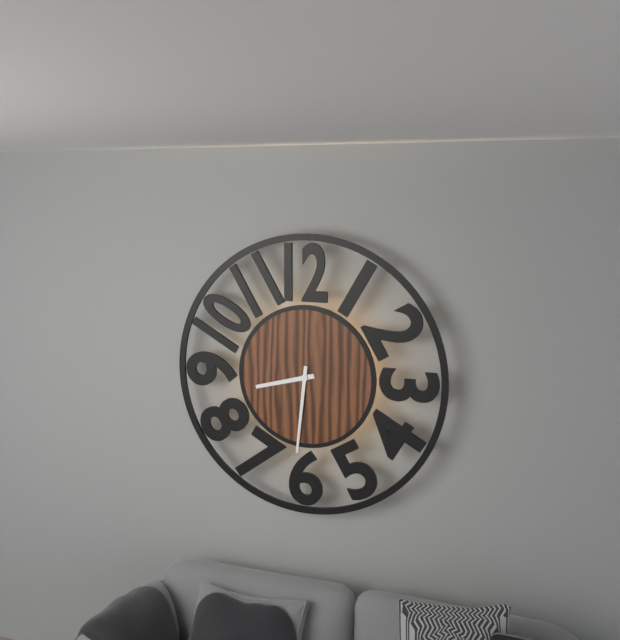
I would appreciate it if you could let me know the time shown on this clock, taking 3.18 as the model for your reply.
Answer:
8.31
